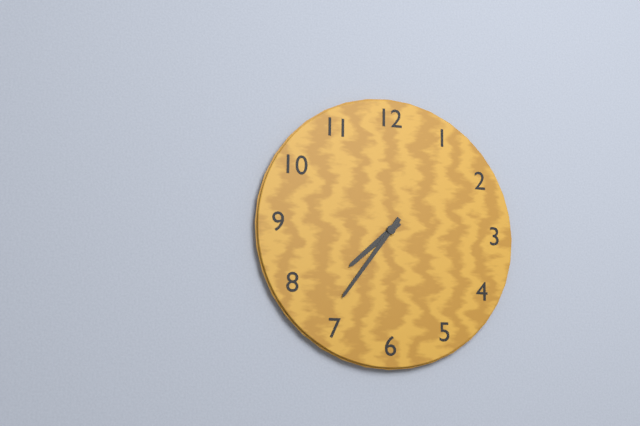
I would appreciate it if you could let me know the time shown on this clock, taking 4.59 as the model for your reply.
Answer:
7.36
